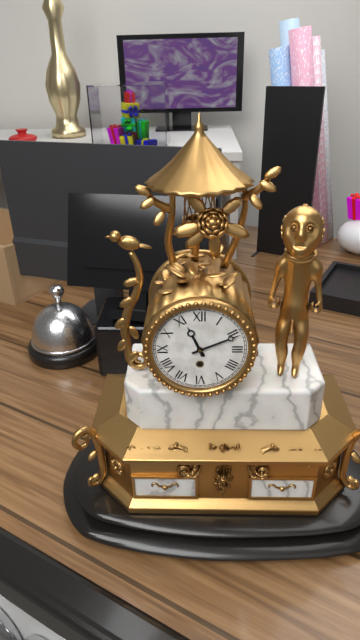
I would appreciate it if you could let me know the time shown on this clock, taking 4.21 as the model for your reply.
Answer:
11.11
